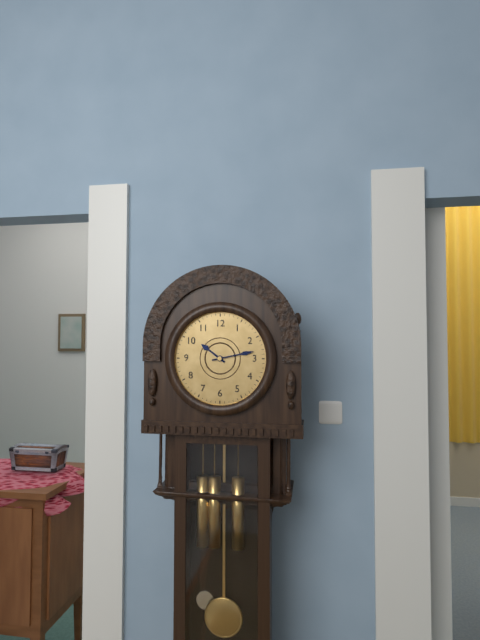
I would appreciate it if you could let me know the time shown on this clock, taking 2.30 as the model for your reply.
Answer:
10.13
